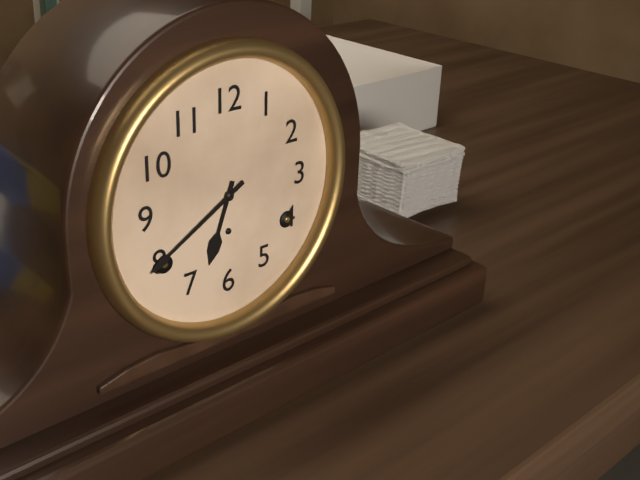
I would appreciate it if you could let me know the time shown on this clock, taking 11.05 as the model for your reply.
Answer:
6.40
